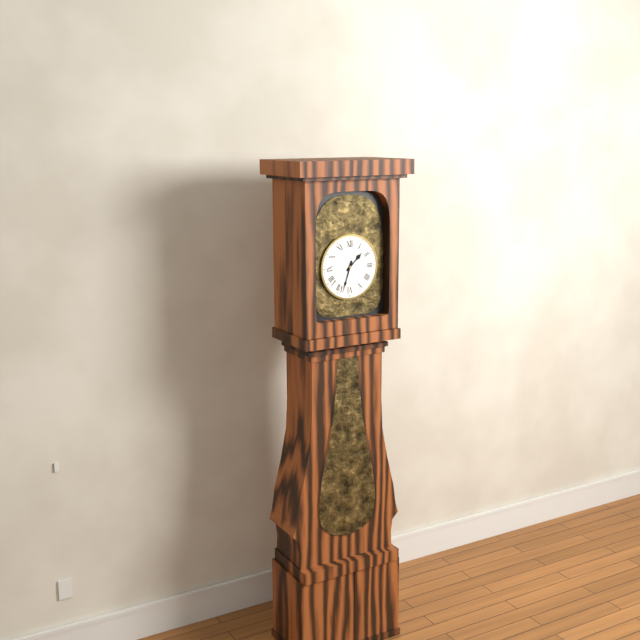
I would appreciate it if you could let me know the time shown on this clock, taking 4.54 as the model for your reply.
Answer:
1.33
